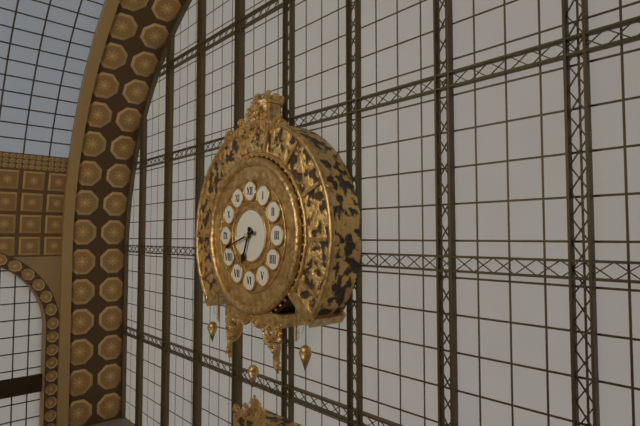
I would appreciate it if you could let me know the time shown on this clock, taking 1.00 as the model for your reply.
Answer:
6.42
